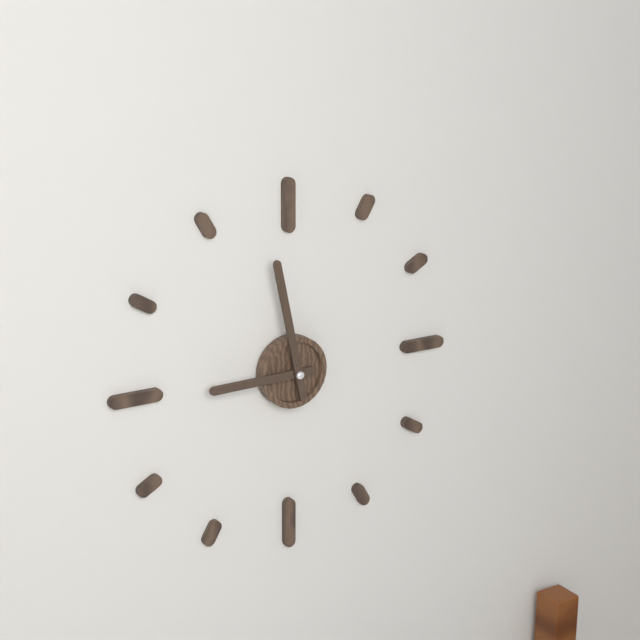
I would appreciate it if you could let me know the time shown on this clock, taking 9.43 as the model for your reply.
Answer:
8.58
